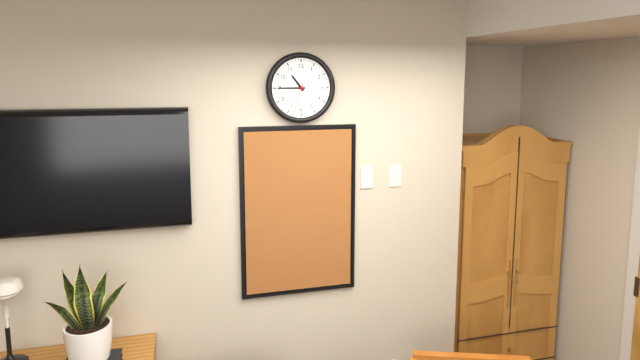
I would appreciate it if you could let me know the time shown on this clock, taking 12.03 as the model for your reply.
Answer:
10.45
